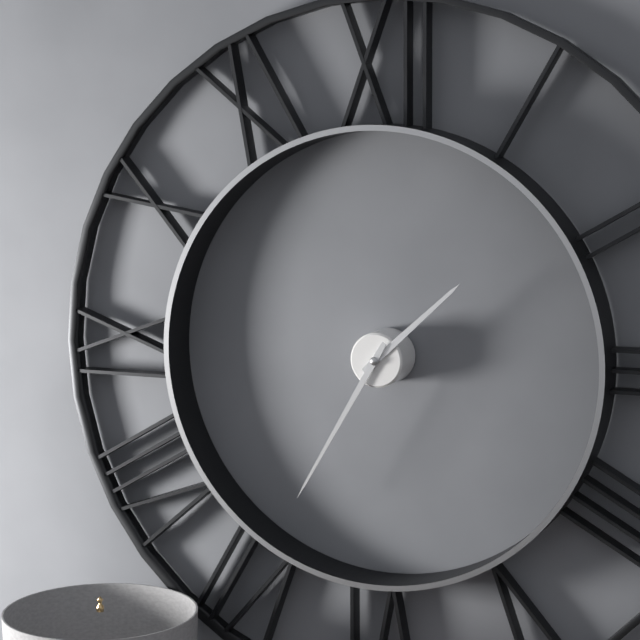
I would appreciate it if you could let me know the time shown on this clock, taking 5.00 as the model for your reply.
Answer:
1.35
